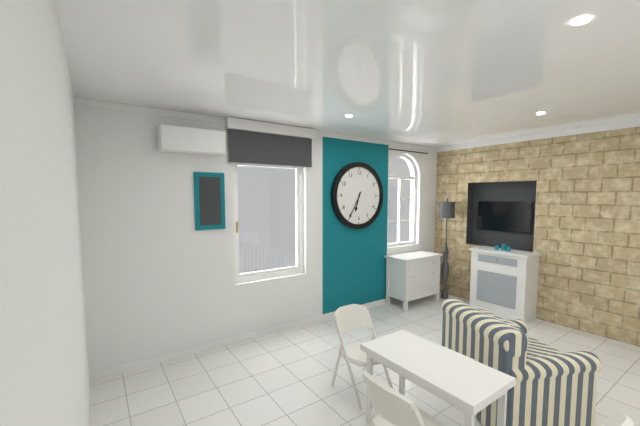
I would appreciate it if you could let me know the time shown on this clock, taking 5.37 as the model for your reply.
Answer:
6.35
